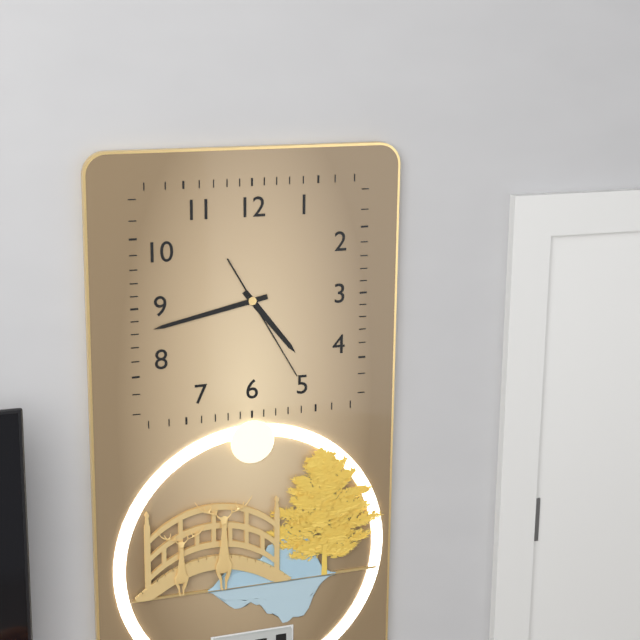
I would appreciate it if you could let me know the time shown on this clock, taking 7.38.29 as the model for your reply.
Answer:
4.43.25
